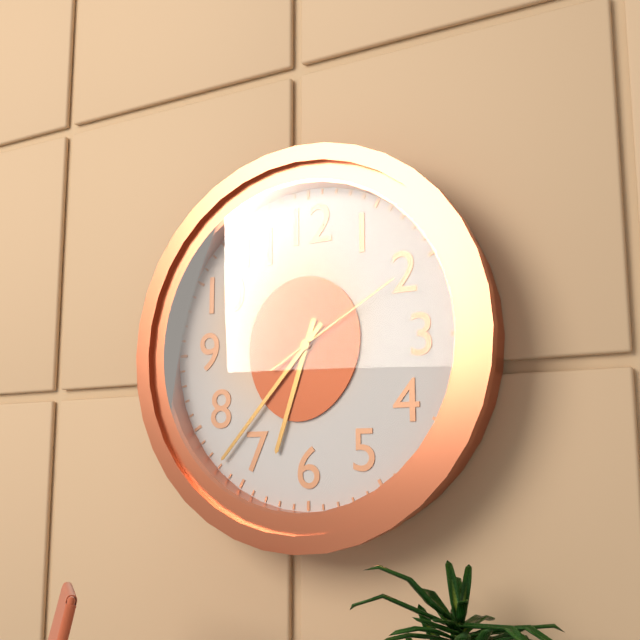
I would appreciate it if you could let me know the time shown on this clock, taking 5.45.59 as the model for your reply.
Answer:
6.37.10
